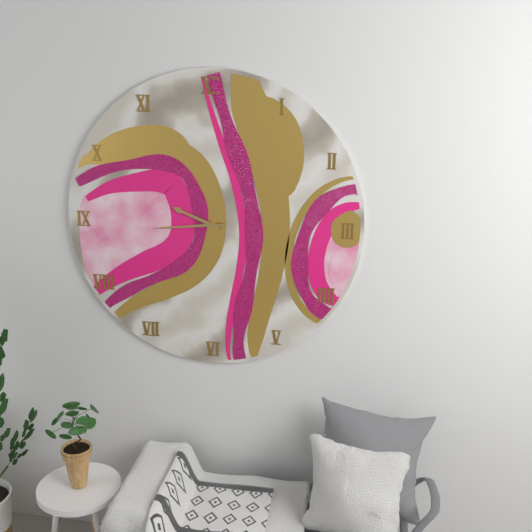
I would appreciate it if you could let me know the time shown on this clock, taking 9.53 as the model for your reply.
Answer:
9.44
